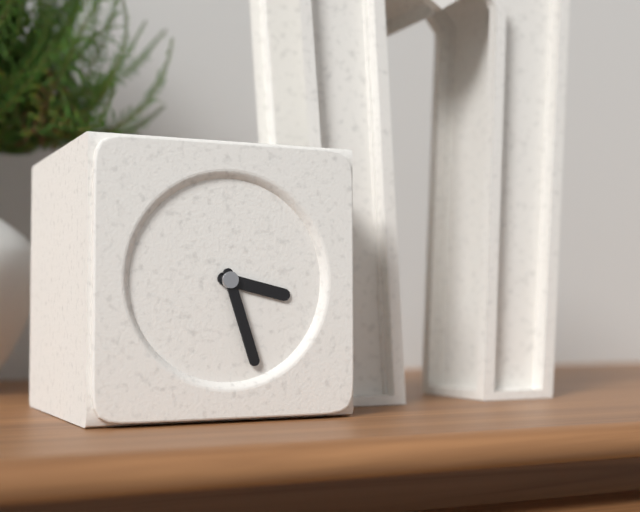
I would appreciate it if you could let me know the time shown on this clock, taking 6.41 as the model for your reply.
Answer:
3.27
